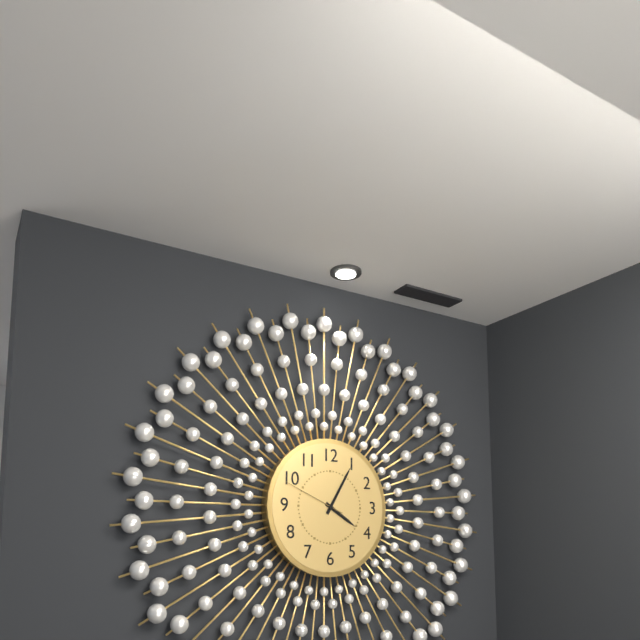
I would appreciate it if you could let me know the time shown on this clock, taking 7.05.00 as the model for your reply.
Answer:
4.05.49
